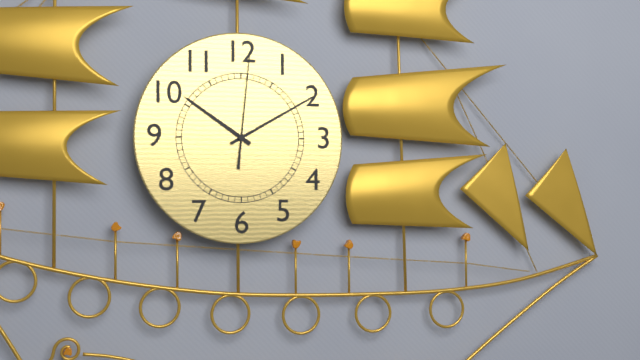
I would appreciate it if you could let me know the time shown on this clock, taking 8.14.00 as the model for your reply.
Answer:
10.10.01
